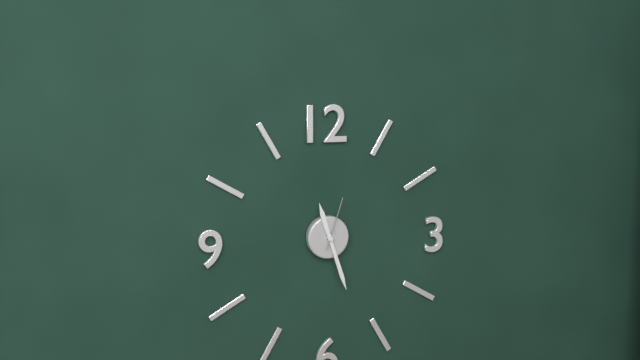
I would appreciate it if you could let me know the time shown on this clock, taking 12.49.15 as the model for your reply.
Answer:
11.27.03
